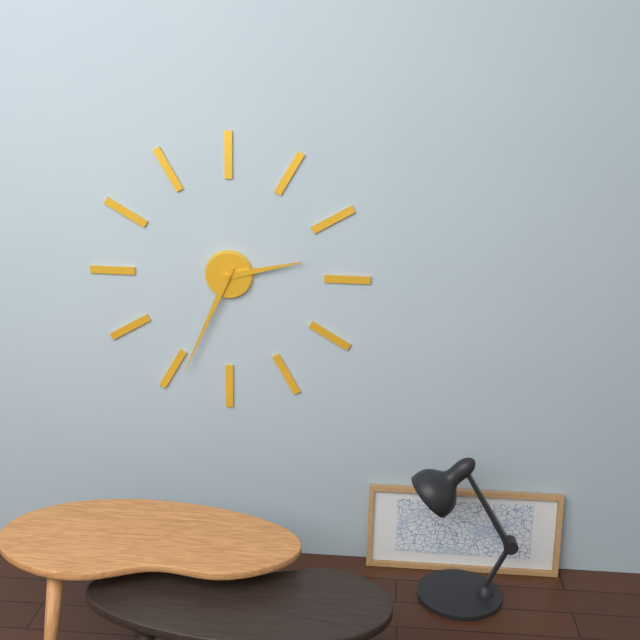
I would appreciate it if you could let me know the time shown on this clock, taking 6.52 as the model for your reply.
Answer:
2.34
